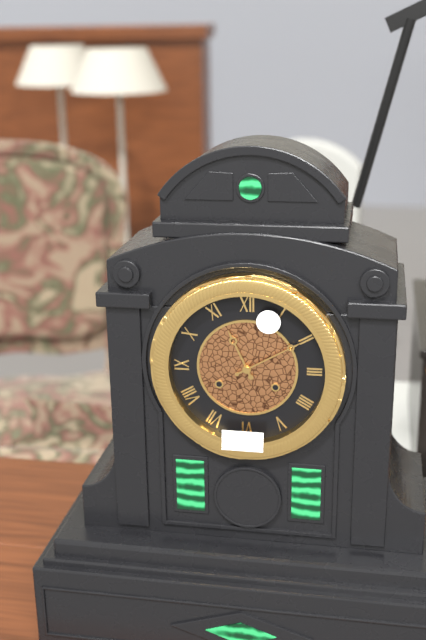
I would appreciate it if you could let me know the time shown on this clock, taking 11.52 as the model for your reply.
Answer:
11.10
